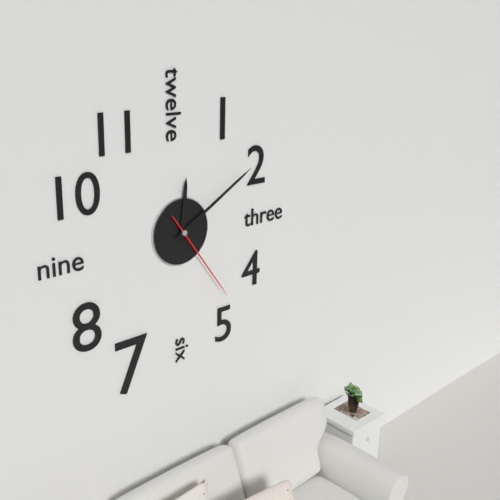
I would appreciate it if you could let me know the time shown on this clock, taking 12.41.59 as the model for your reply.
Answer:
12.10.24
